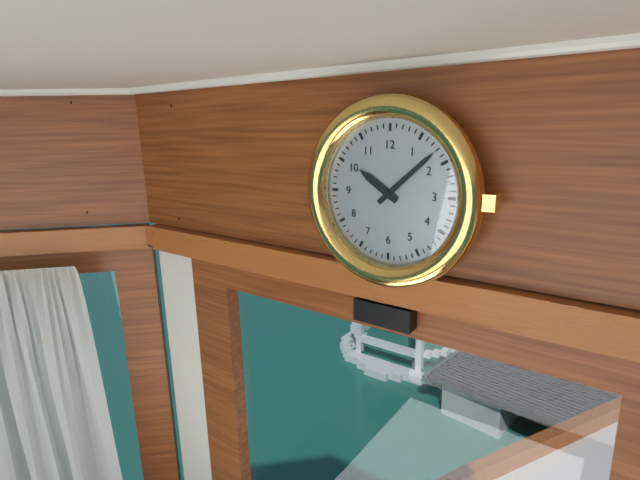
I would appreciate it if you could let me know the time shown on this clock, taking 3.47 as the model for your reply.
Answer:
10.08
